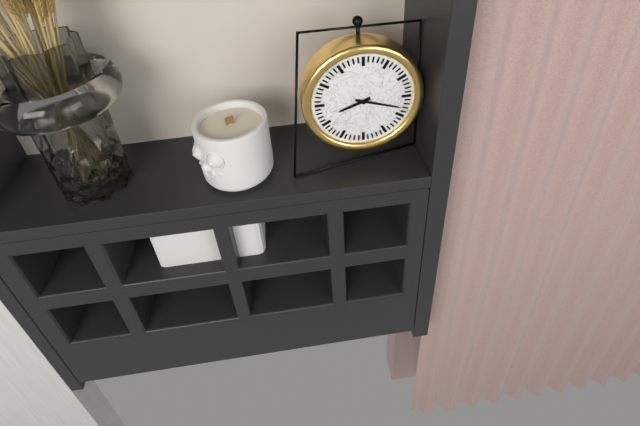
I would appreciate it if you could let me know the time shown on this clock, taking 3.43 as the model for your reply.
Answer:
8.18
